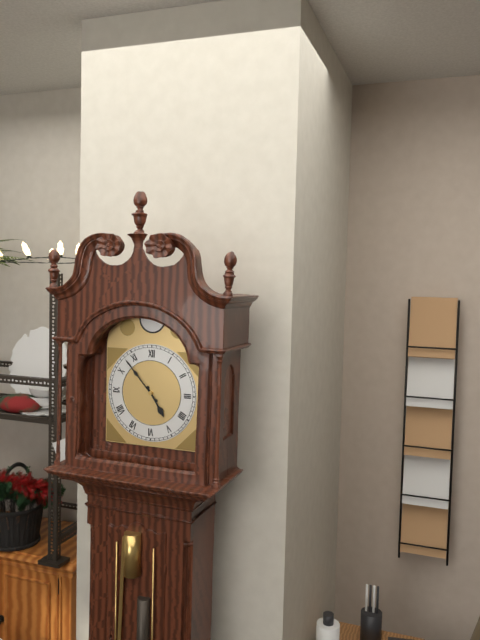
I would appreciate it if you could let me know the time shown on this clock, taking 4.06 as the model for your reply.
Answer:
4.53
